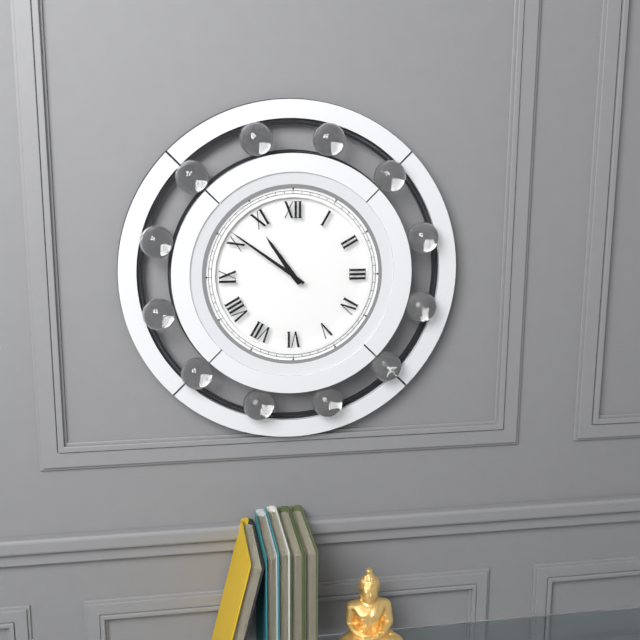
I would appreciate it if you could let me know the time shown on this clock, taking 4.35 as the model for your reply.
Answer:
10.51
